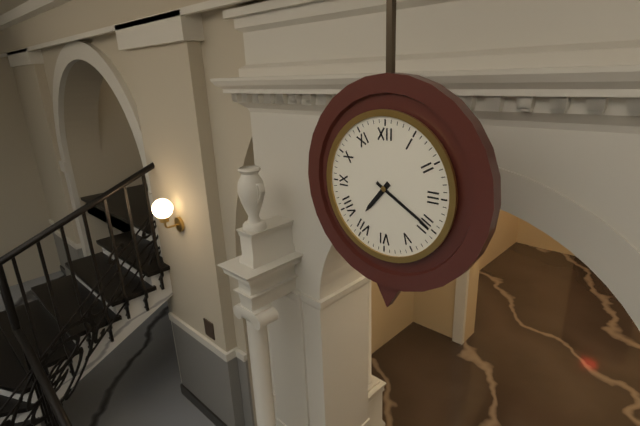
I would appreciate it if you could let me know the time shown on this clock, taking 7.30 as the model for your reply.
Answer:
7.20
